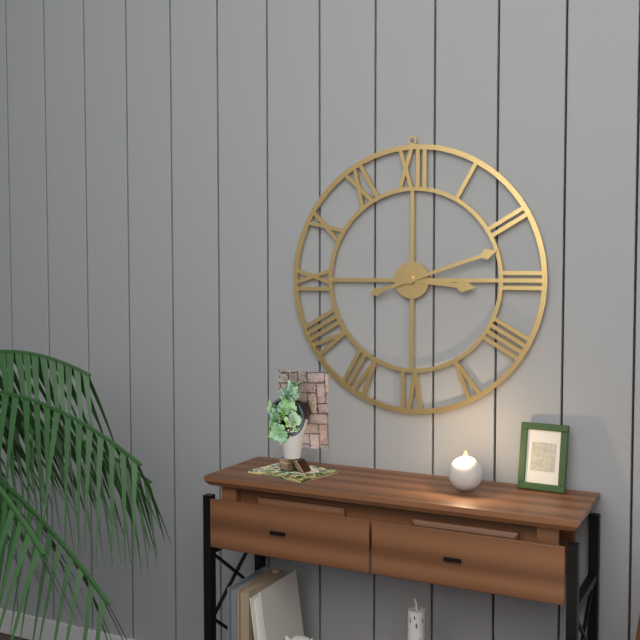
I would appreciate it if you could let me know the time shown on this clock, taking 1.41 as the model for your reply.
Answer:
3.12
